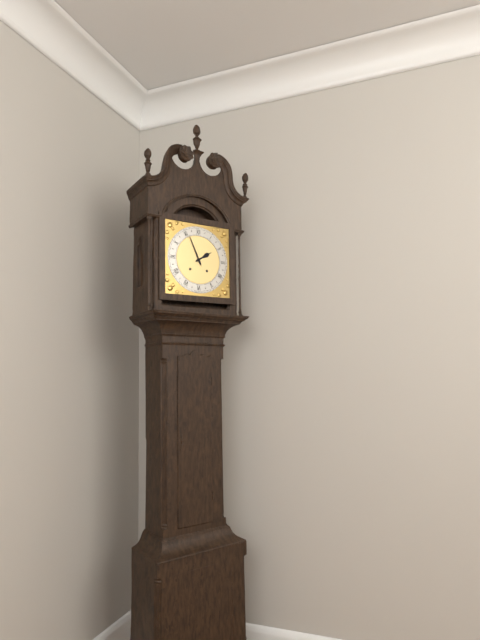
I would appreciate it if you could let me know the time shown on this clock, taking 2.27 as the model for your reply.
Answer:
1.56
